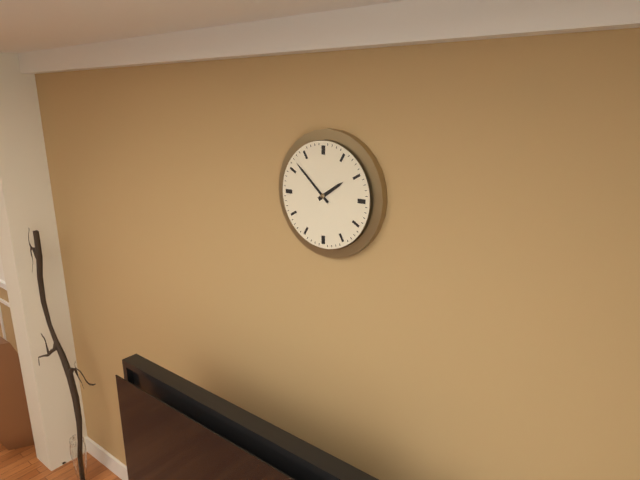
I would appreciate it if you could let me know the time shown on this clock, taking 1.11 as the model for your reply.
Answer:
1.52
